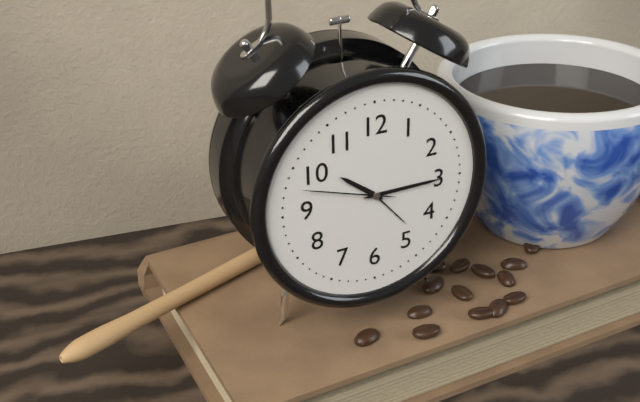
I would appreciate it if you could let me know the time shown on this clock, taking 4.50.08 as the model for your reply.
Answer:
10.15.48
